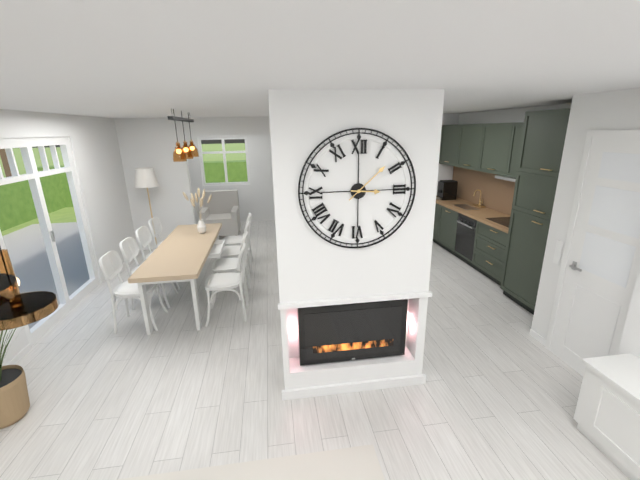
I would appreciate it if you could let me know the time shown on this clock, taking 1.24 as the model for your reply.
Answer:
3.08
